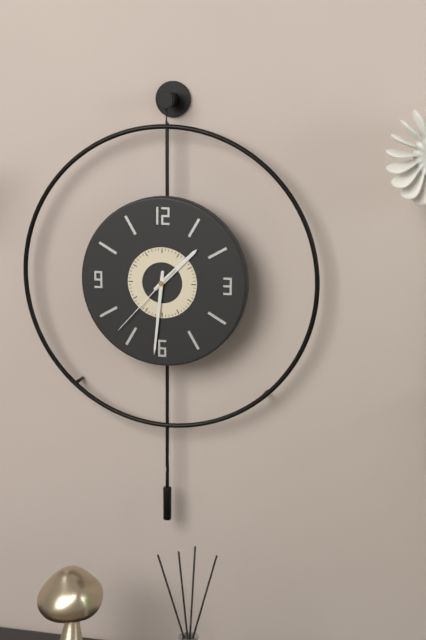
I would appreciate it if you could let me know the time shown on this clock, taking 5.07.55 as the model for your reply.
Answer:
1.31.37
